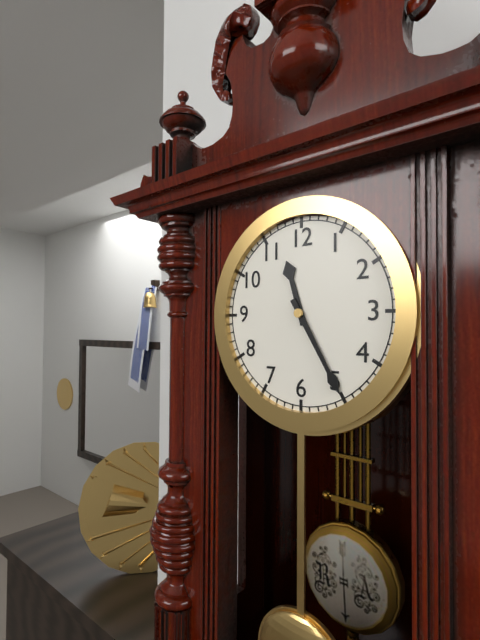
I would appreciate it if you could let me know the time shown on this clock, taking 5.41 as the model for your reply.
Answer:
11.25
